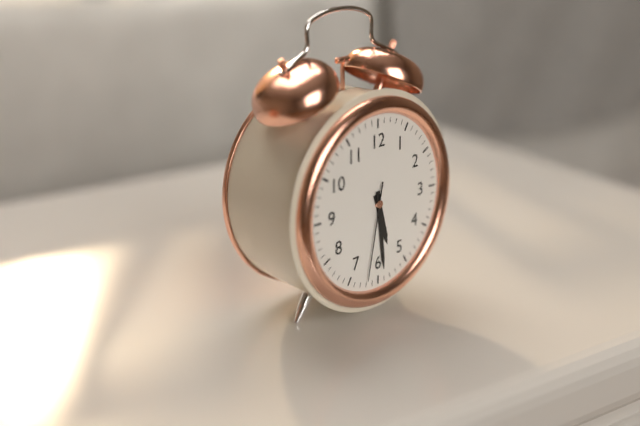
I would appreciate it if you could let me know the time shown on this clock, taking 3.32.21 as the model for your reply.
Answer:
5.29.32
